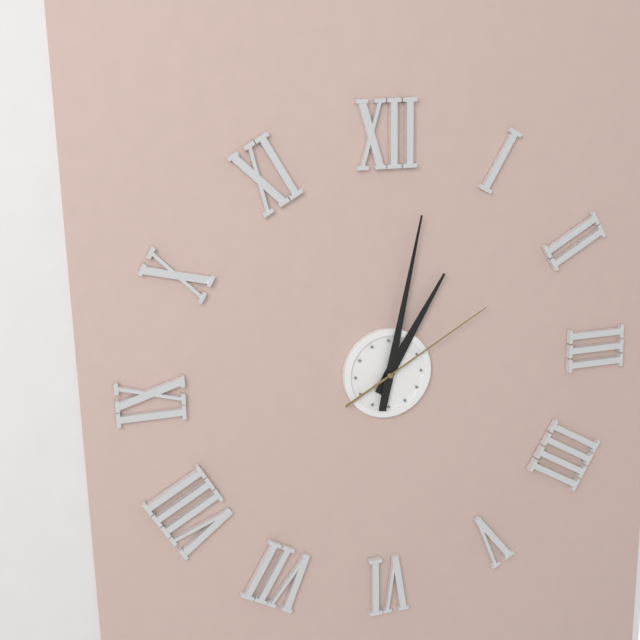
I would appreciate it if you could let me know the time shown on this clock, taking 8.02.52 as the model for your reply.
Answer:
1.02.10
